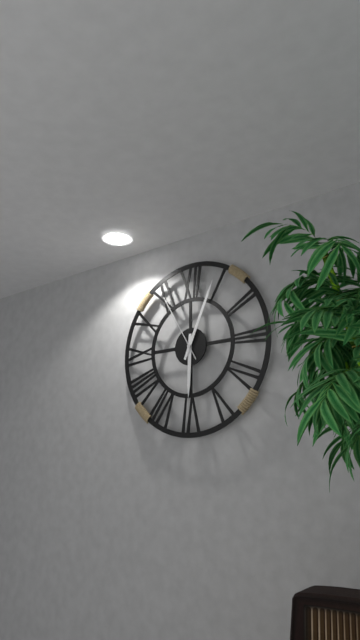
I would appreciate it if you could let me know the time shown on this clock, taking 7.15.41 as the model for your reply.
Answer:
6.04.55
